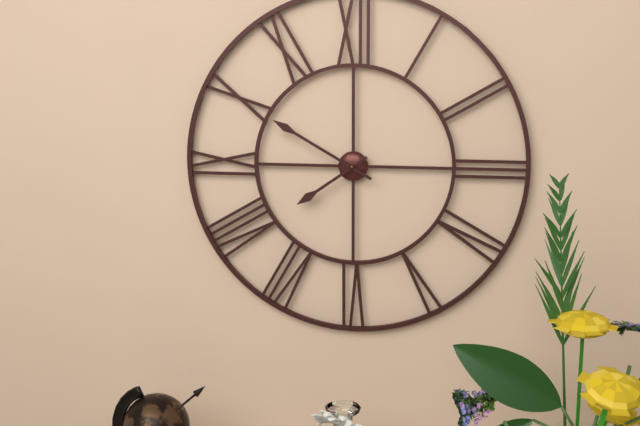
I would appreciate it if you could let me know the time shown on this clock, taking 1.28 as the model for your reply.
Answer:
7.50
